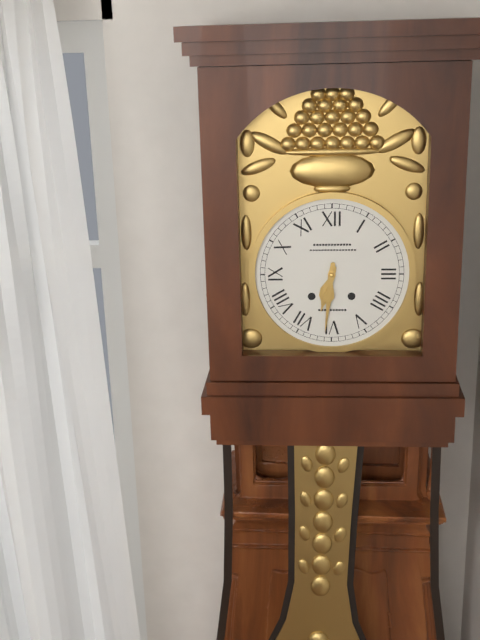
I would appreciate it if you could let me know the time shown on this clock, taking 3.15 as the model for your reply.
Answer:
6.31
